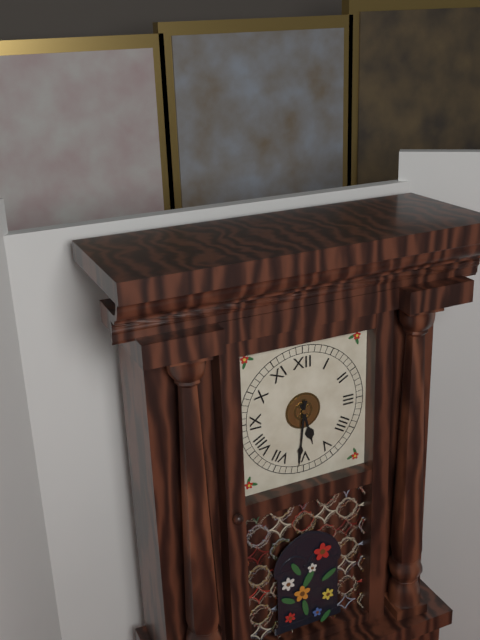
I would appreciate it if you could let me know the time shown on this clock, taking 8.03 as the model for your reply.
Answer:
5.31
